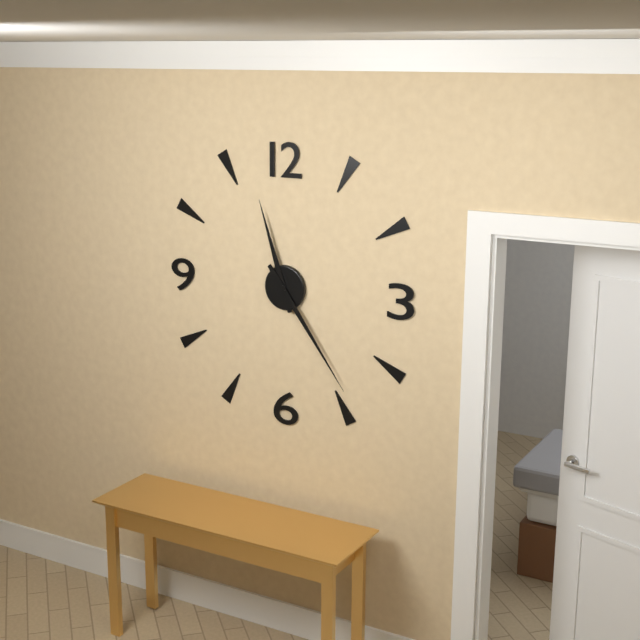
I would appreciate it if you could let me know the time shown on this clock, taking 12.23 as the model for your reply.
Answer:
11.24
